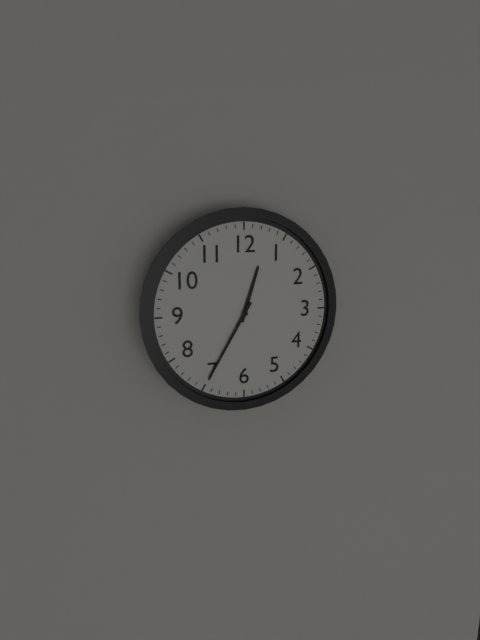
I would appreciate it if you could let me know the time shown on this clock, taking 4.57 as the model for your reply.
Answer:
12.35
